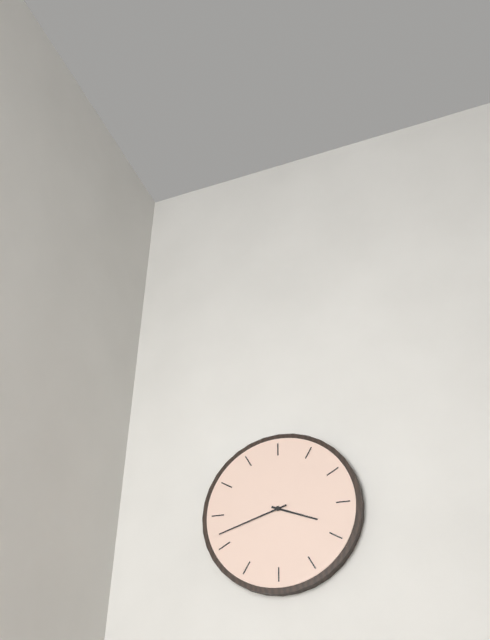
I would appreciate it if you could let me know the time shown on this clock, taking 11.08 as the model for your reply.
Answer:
3.42
